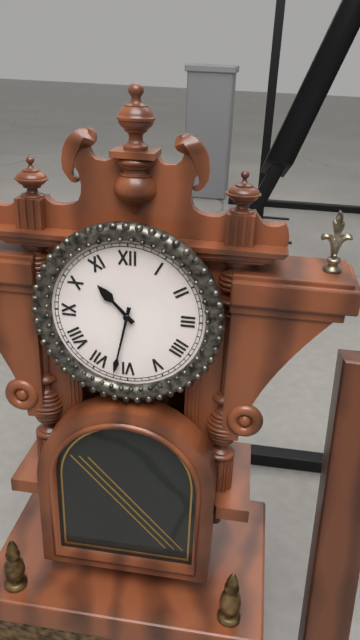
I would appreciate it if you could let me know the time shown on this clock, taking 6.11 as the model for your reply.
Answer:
10.32
